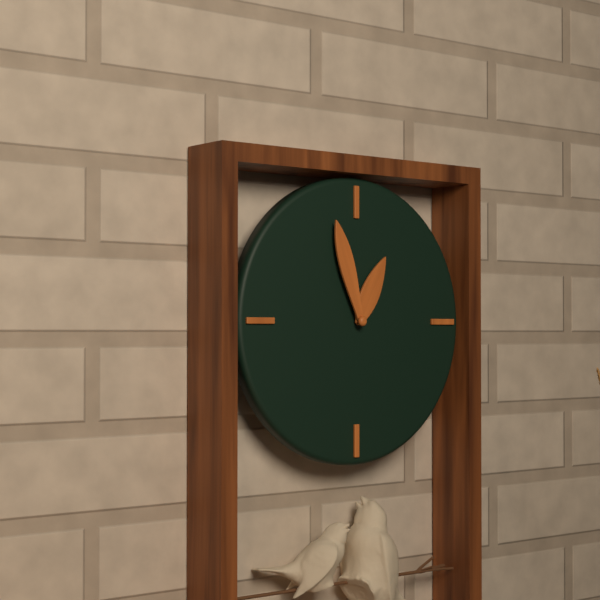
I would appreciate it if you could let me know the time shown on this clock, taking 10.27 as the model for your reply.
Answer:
12.57
